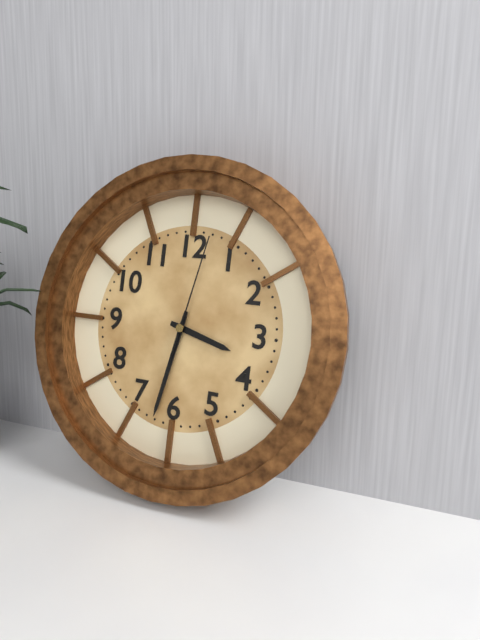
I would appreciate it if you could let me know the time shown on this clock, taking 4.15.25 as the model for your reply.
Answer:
3.32.02
